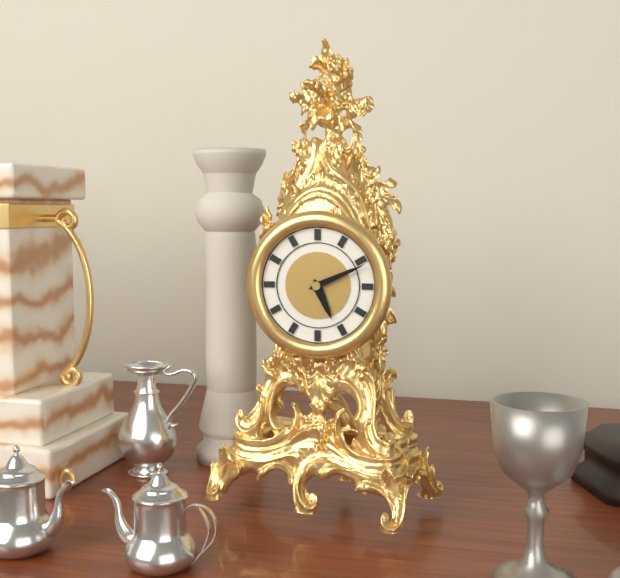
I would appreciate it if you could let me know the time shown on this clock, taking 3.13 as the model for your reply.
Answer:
5.11
